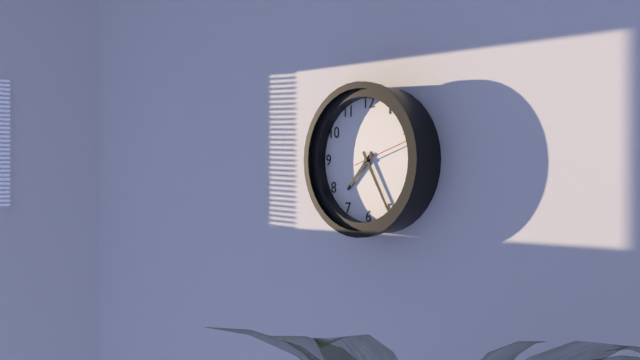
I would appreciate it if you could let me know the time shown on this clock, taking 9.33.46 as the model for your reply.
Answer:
7.25.12
